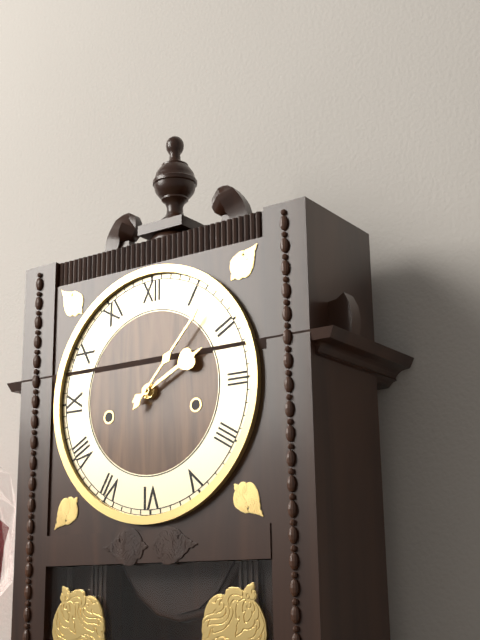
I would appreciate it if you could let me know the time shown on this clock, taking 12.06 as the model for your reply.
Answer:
2.07
